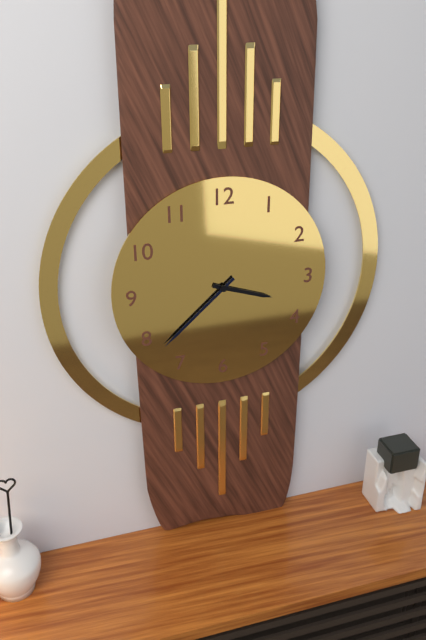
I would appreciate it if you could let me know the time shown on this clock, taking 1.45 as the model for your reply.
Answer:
3.38
